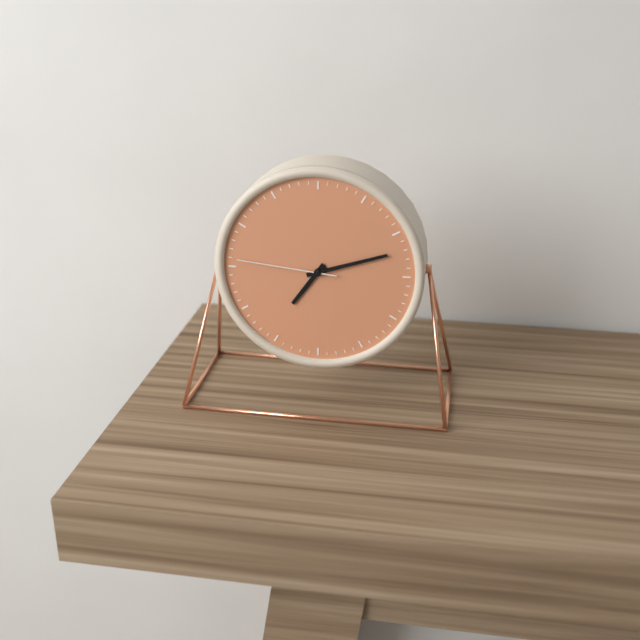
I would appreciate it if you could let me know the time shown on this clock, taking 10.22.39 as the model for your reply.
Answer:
7.12.46
